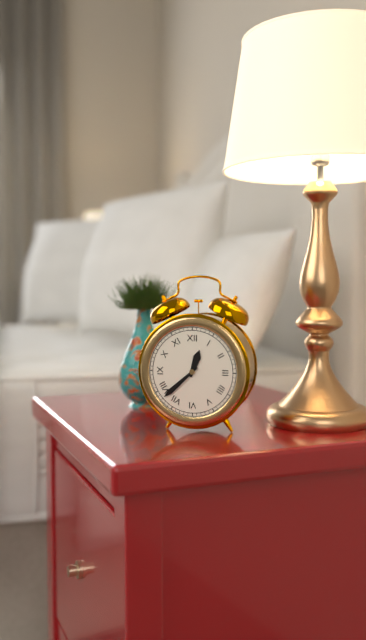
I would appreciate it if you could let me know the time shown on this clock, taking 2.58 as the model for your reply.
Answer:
12.38
